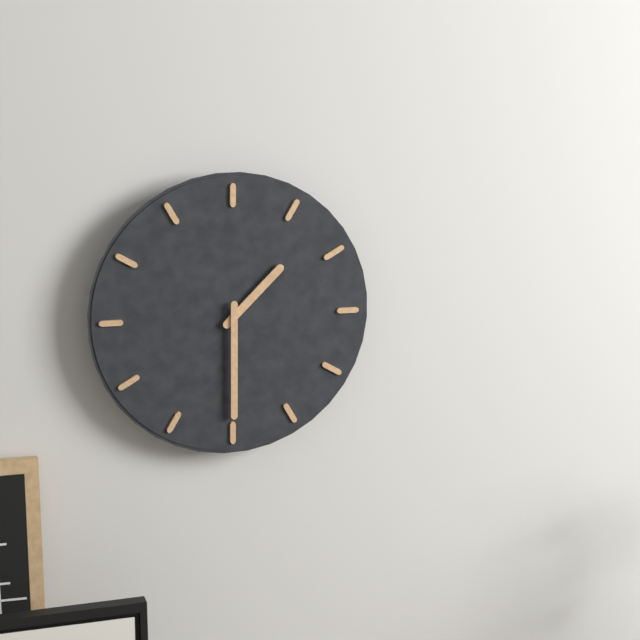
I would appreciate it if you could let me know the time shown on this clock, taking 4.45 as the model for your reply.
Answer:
1.30
